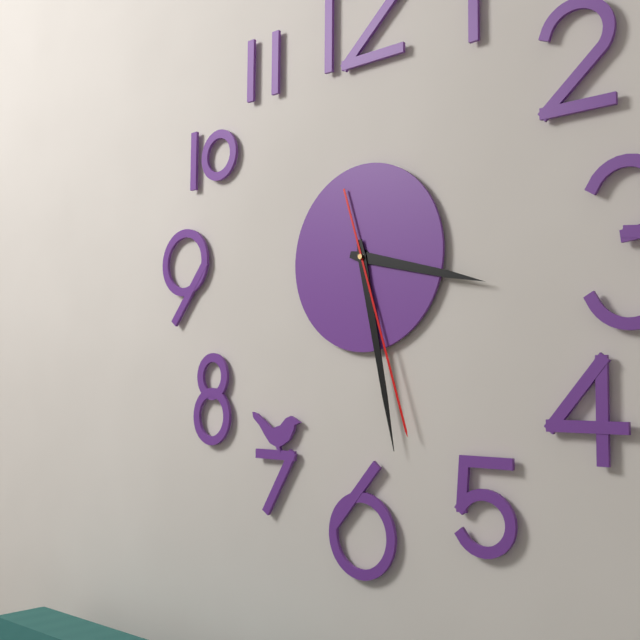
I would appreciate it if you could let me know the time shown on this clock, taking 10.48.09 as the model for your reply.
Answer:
3.28.27
